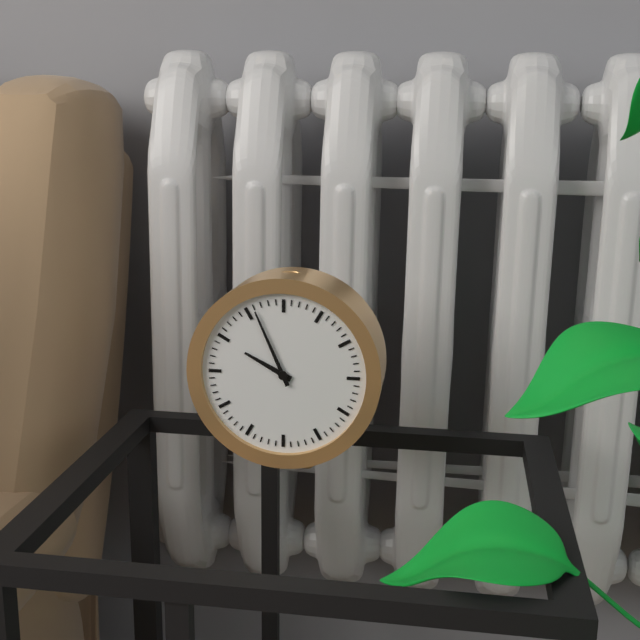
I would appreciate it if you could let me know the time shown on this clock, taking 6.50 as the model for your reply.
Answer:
9.56
